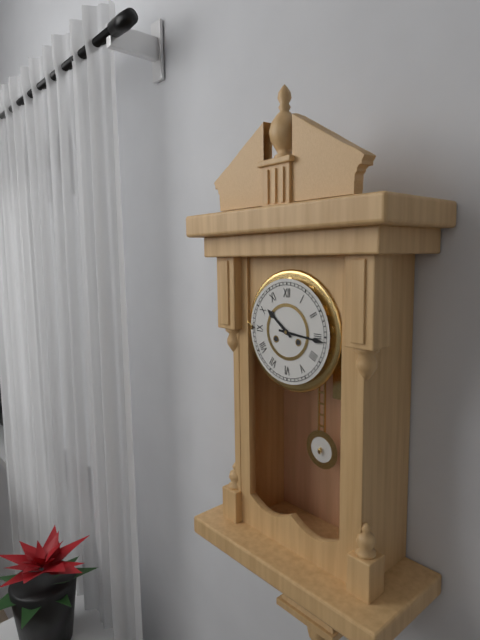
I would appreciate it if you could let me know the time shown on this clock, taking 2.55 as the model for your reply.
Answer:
10.16
